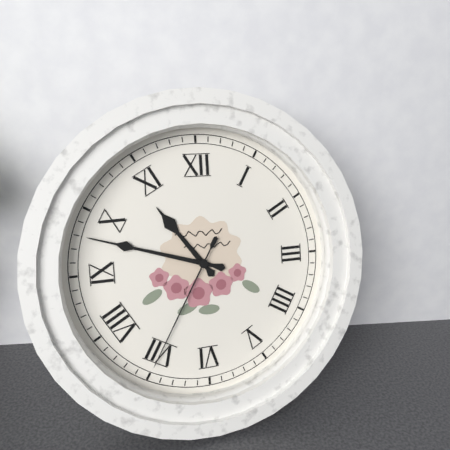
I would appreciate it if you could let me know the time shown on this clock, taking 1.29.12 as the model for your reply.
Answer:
10.48.35
